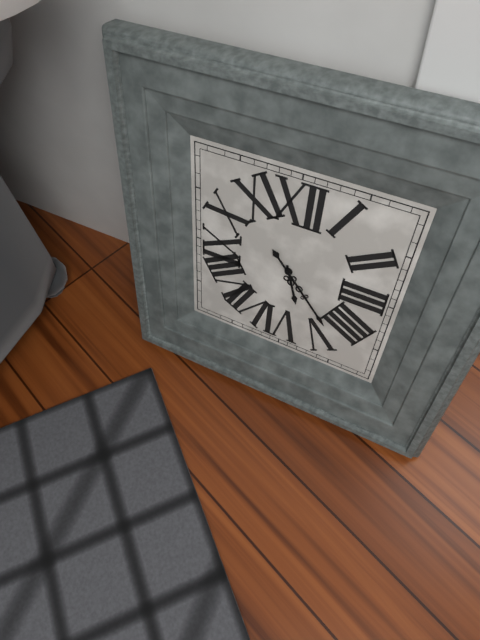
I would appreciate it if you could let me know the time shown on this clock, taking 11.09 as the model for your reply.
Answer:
5.23
